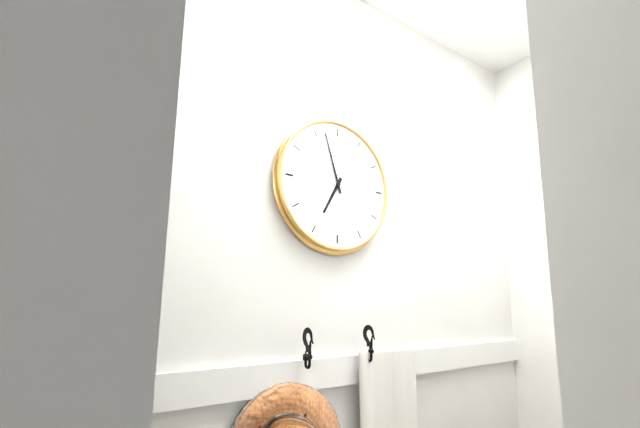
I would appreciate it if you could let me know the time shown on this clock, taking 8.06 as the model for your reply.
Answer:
6.57
